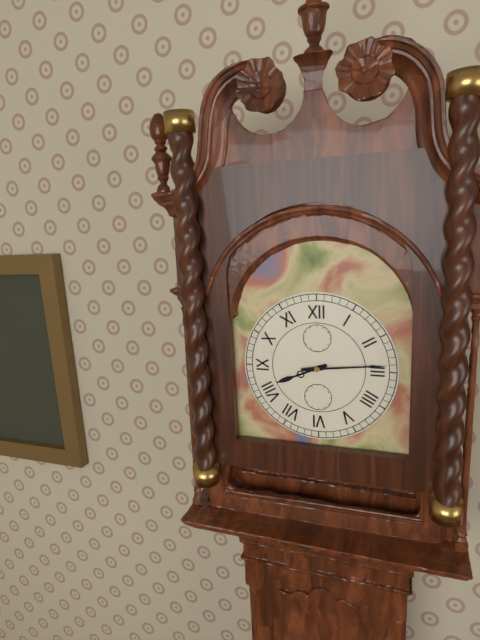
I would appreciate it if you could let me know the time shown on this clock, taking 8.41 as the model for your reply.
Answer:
8.14
